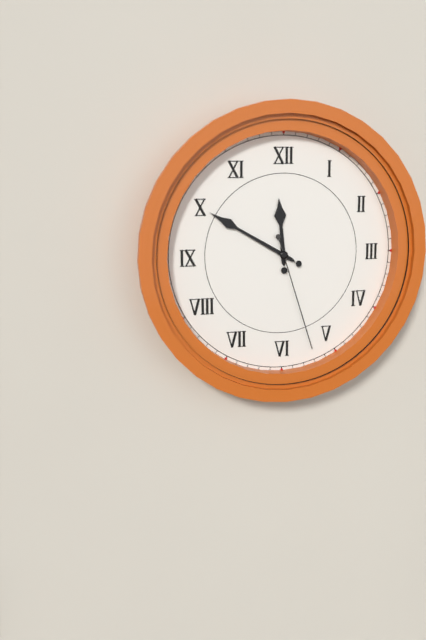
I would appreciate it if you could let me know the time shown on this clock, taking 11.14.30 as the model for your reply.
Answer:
11.50.27
